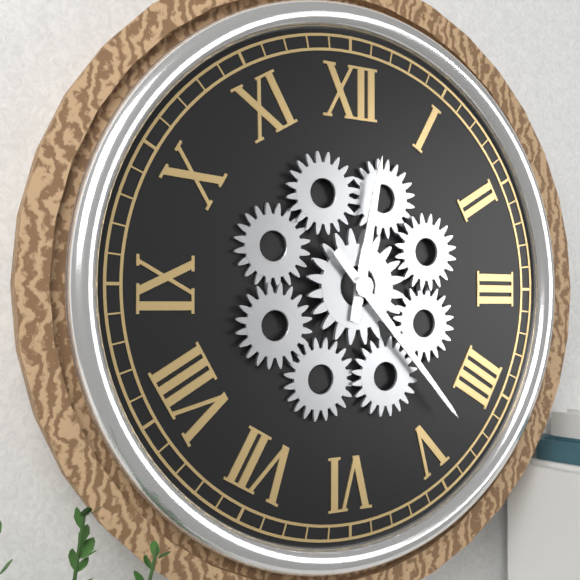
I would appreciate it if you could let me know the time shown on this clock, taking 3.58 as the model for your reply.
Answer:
12.23
